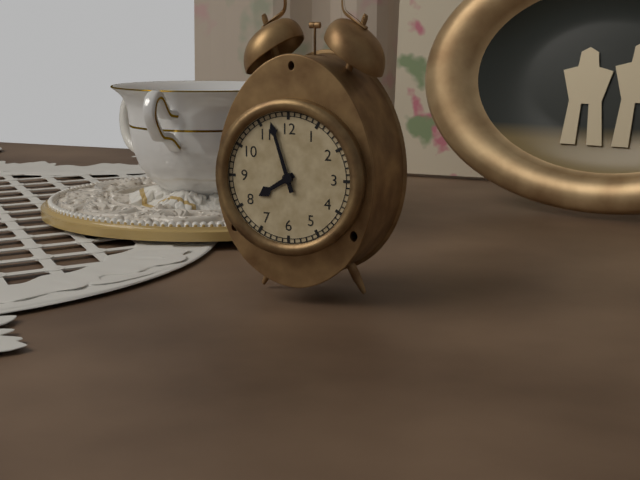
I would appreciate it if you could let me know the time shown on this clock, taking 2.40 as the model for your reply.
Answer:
7.57
